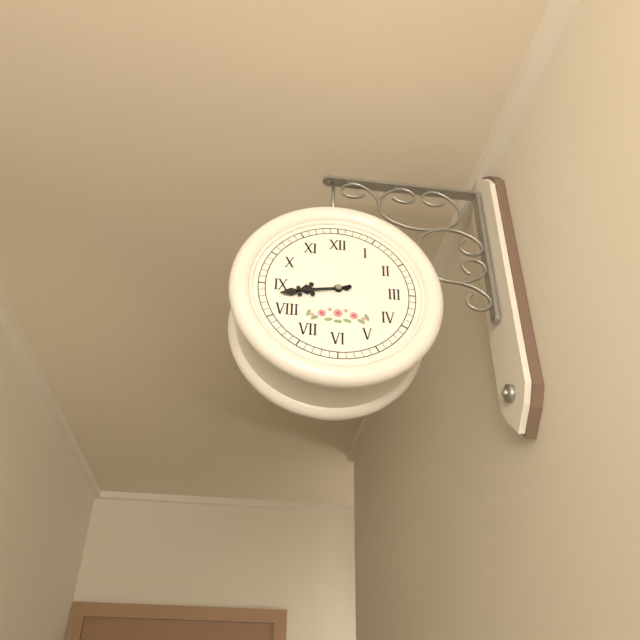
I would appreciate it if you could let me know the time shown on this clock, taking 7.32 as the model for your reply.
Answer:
8.43
